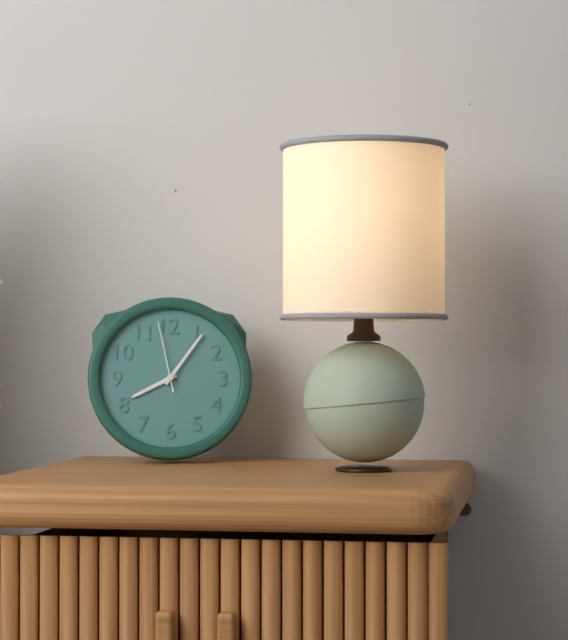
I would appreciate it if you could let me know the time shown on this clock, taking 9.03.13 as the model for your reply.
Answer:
8.06.58
